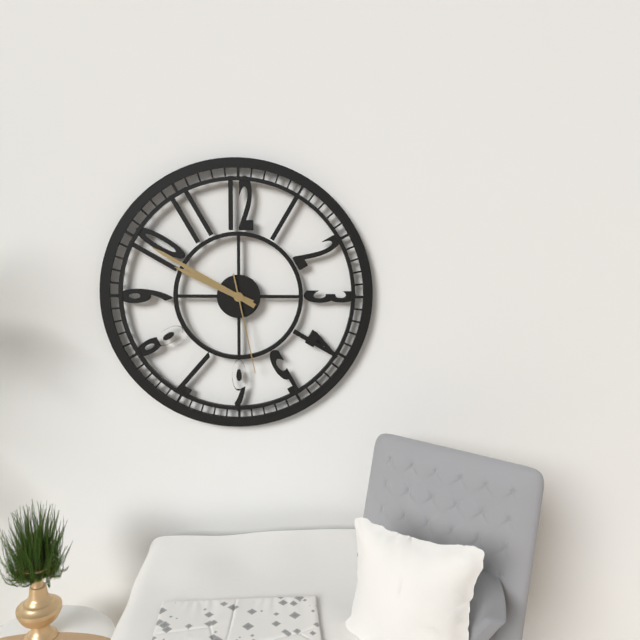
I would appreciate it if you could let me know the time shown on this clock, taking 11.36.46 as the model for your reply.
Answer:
9.50.28
